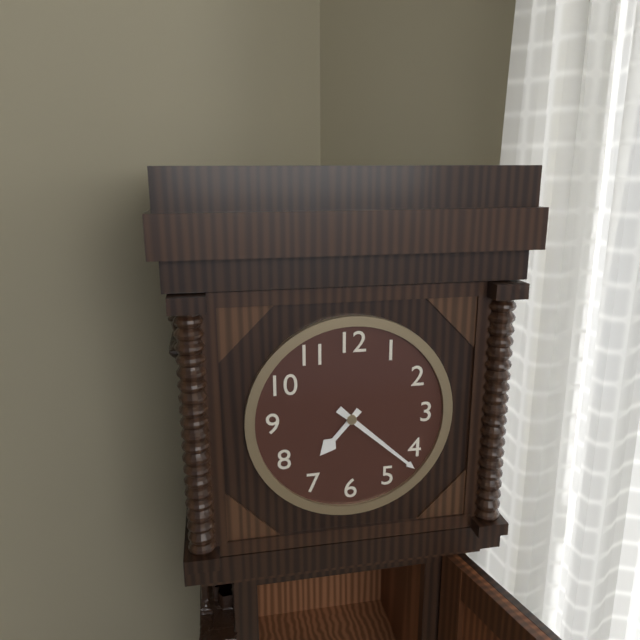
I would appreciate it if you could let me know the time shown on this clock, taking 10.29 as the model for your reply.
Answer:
7.22
